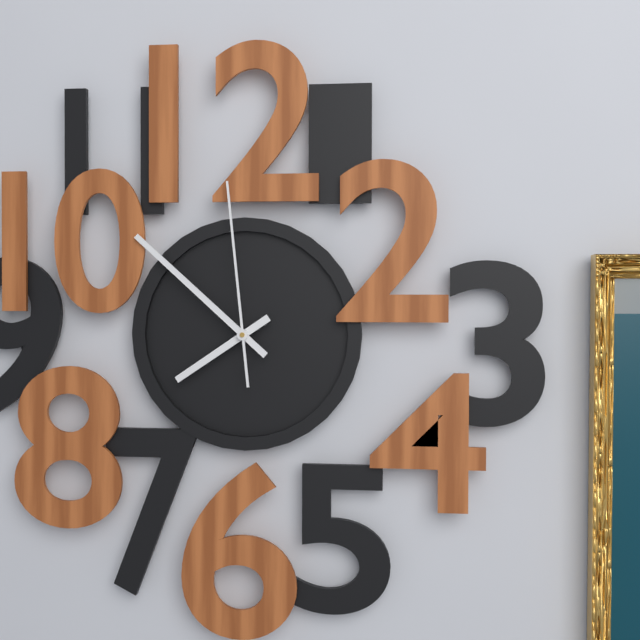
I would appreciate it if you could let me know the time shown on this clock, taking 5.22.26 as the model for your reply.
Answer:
7.52.59
